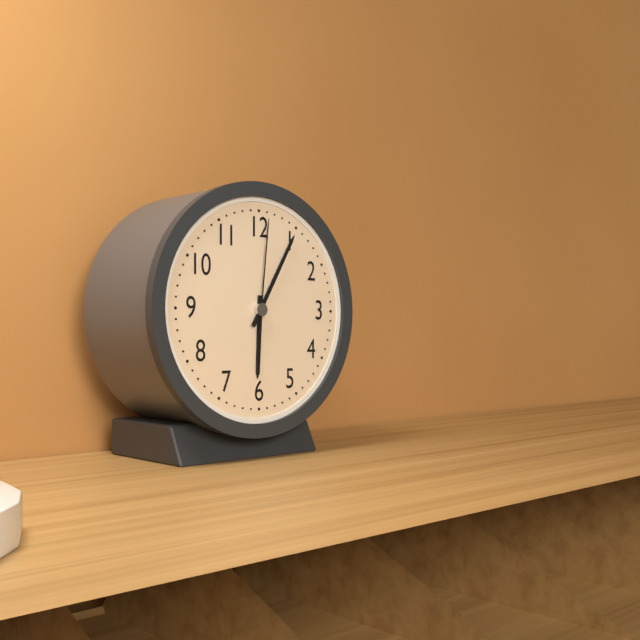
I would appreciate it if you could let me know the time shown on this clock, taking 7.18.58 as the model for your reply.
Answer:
6.05.01
